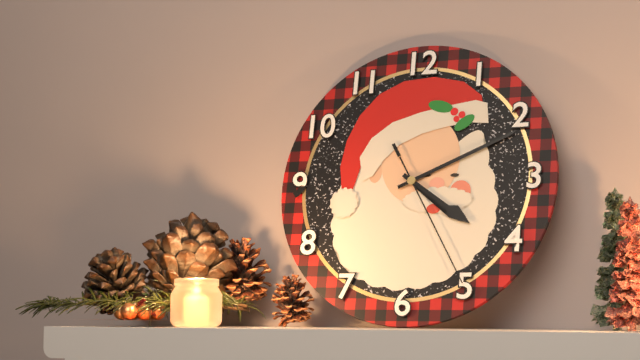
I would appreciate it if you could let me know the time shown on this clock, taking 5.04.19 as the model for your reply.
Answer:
4.11.25
